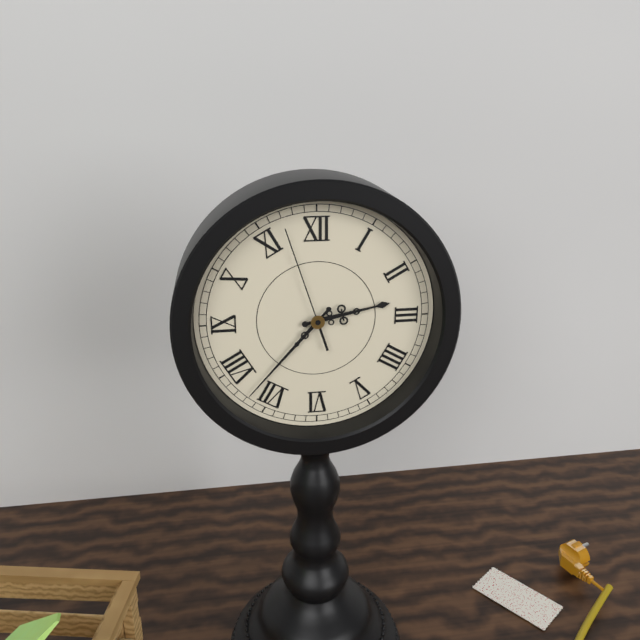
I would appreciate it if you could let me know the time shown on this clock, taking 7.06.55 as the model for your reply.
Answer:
2.37.57
